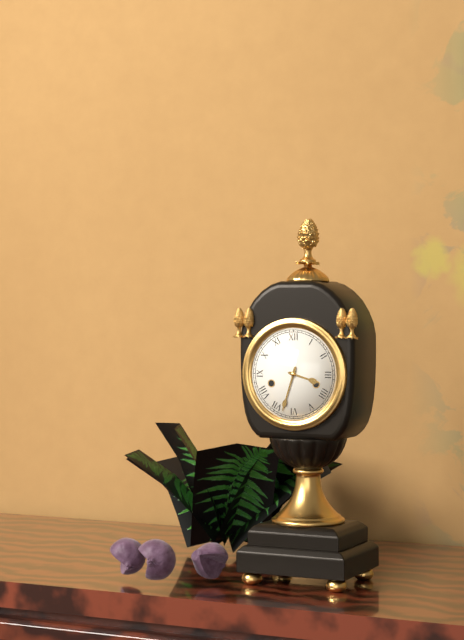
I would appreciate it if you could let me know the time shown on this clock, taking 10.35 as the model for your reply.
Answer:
3.33
